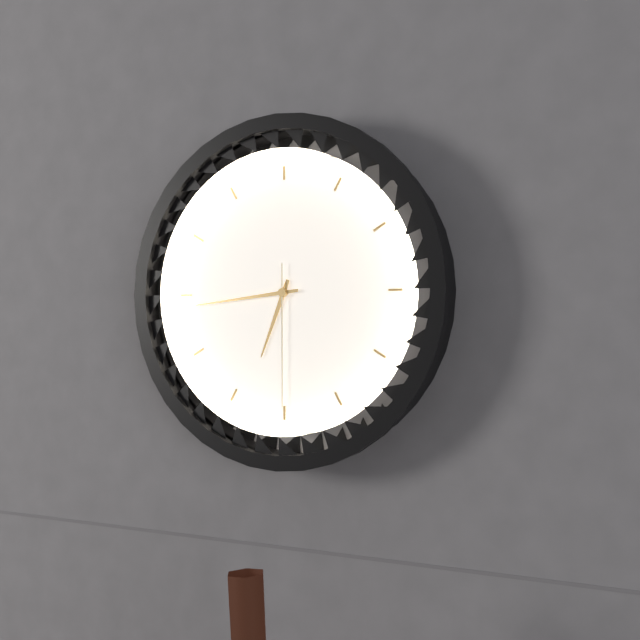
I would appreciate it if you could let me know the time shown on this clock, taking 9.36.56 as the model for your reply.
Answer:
6.44.30
